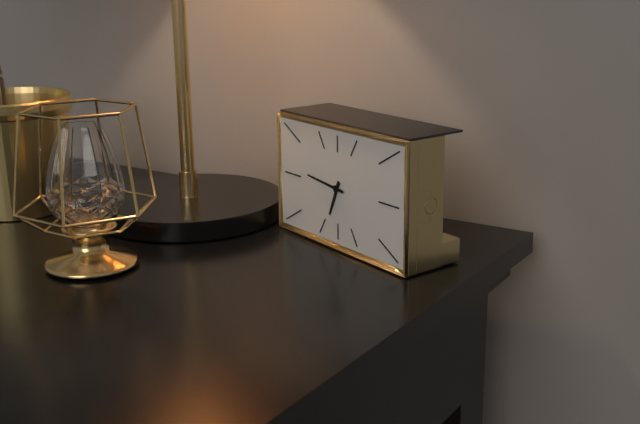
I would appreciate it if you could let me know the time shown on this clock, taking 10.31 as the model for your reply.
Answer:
6.46
